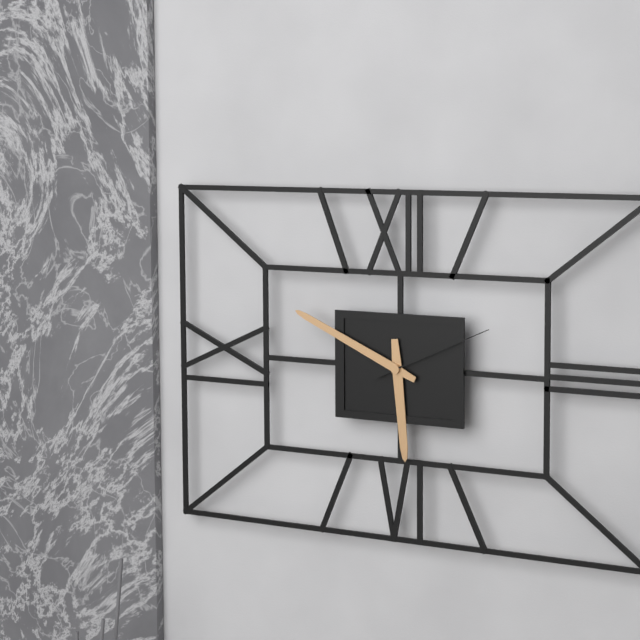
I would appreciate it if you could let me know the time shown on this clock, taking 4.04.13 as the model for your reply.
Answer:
5.49.11
